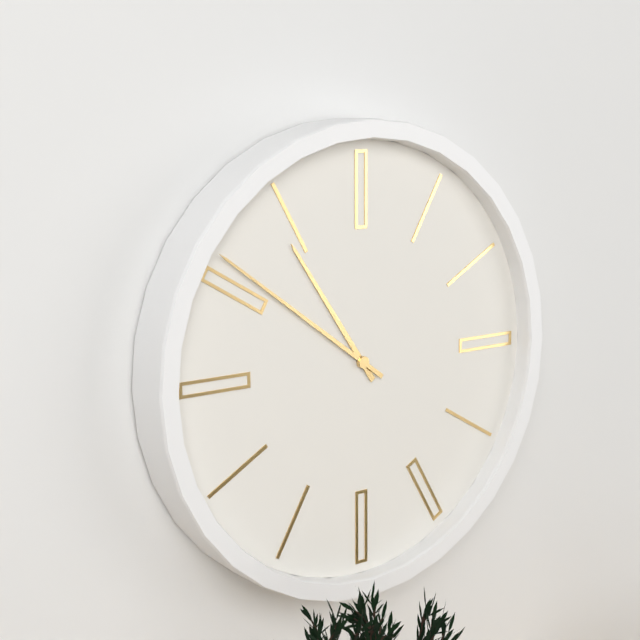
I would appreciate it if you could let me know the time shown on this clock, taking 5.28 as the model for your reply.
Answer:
10.51
